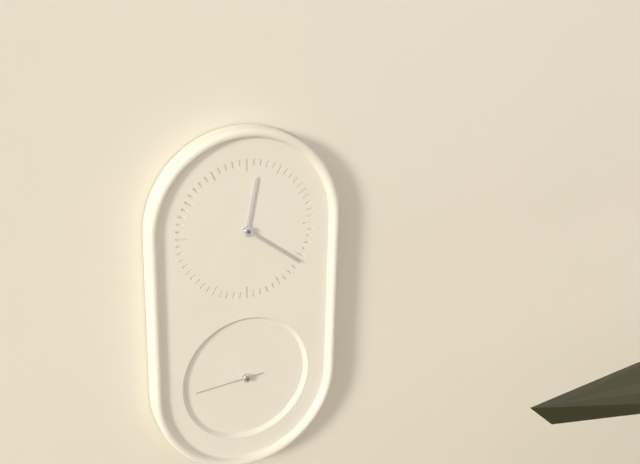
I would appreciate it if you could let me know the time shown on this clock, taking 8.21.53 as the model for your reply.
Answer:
12.21.44
